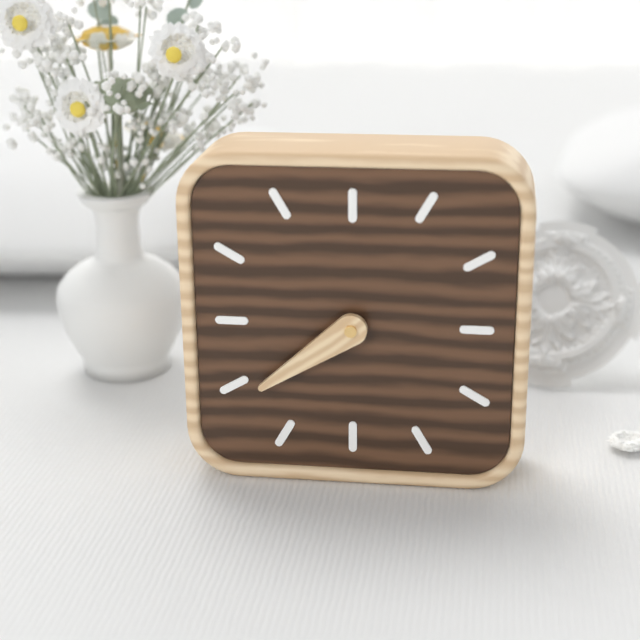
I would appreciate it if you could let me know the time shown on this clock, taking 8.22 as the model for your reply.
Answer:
7.39
